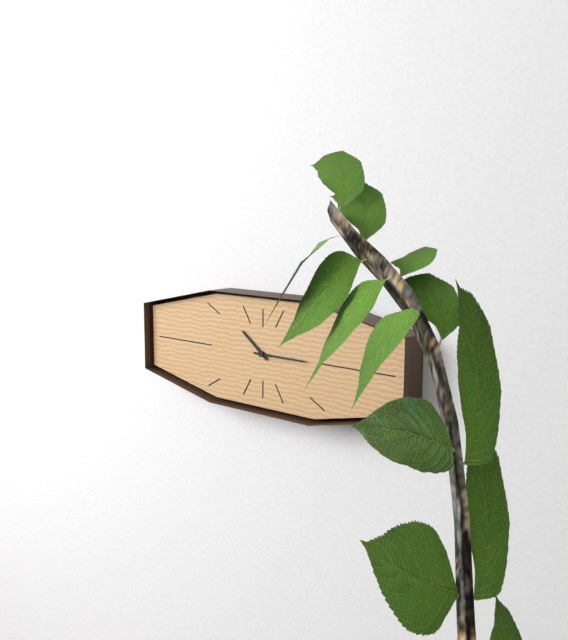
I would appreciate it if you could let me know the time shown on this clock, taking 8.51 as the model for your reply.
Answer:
10.15
